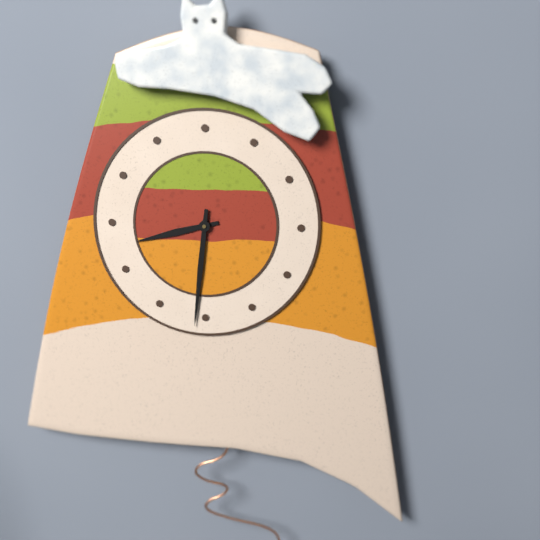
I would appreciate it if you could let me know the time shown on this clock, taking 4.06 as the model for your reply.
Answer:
8.31
